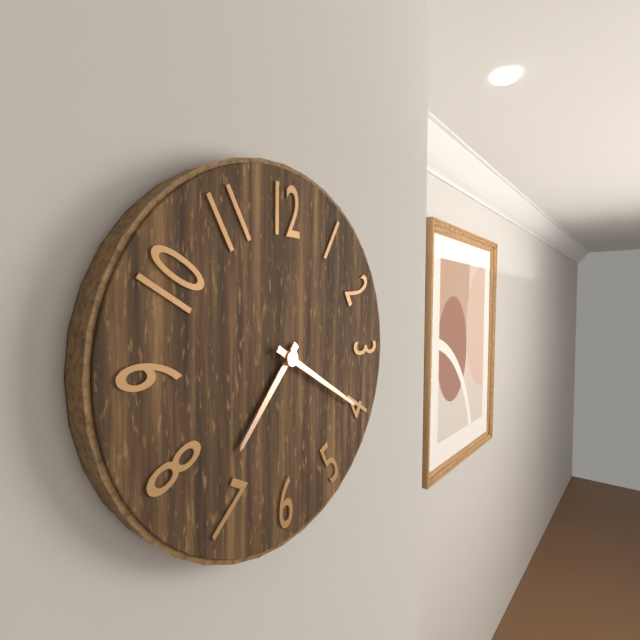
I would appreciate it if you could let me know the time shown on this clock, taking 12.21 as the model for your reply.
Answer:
7.20
